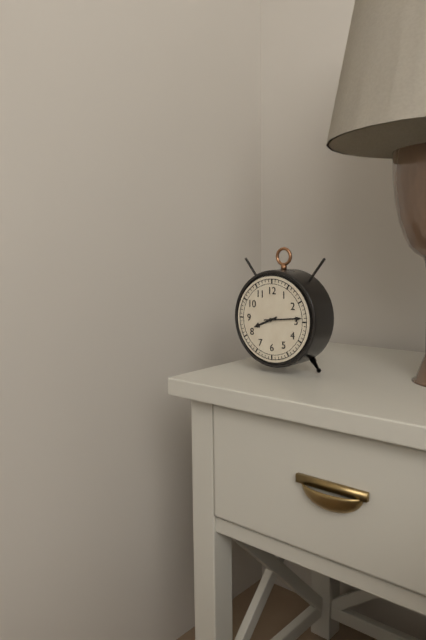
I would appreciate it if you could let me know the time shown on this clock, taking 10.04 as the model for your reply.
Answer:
8.14
